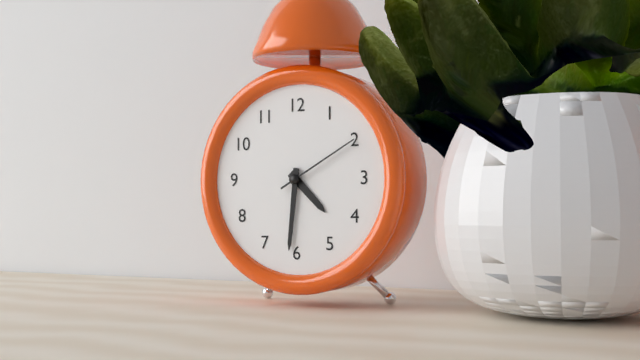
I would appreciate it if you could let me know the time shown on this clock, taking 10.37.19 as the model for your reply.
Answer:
4.31.10
